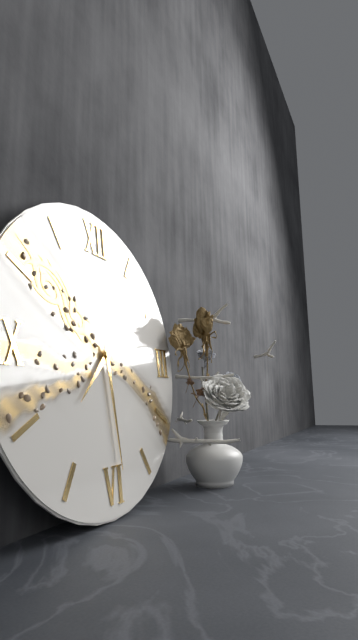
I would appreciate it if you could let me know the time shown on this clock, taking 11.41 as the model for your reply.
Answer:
7.29
